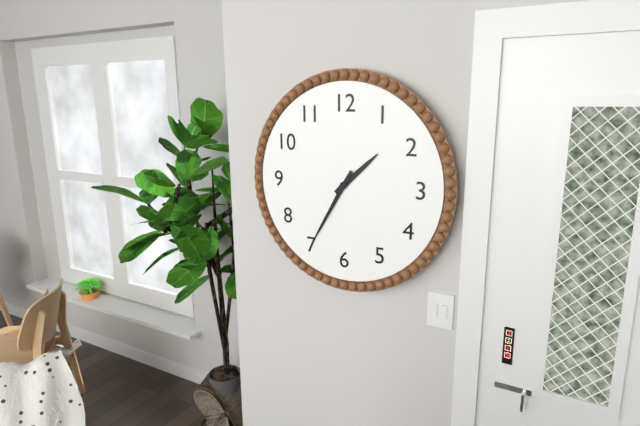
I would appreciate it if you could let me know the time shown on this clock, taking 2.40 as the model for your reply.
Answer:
1.35
